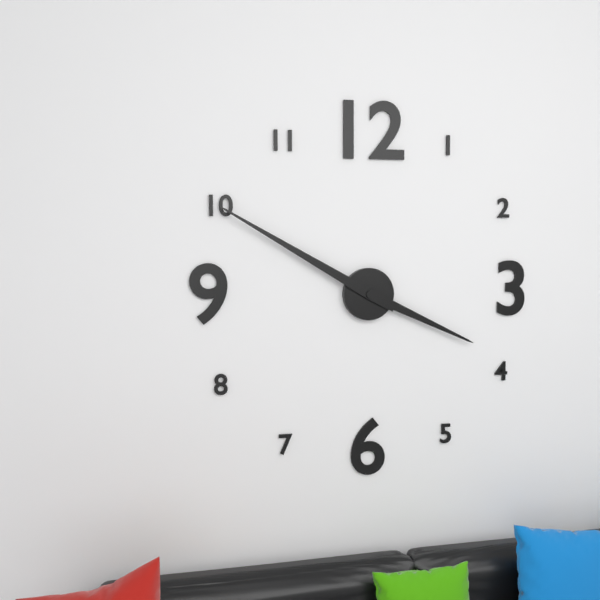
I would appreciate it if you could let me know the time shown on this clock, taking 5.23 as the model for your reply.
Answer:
3.50
